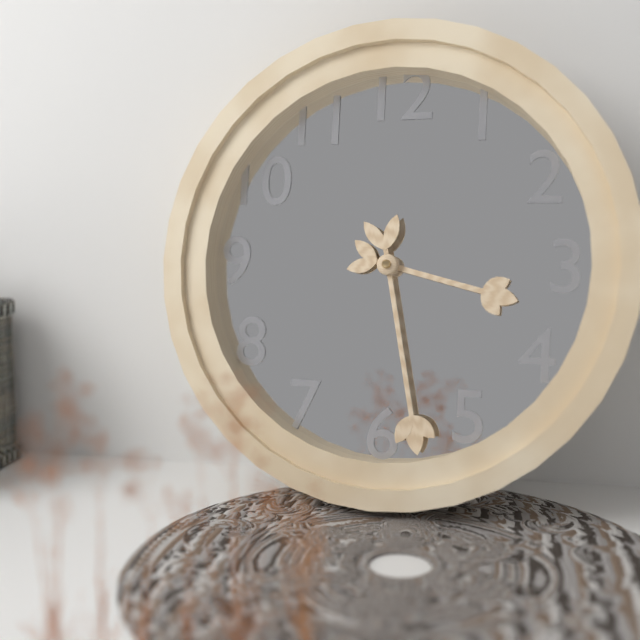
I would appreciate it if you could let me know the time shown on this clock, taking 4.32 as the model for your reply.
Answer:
3.28
